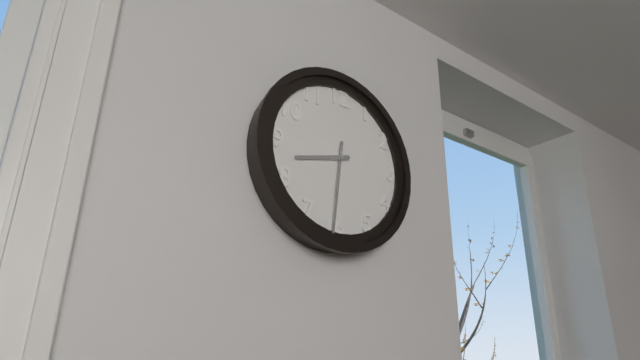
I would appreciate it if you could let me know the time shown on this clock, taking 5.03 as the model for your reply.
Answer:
8.31
